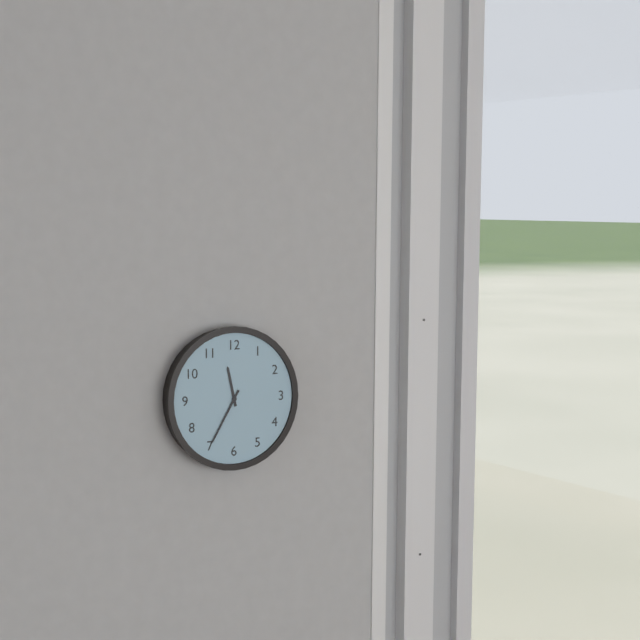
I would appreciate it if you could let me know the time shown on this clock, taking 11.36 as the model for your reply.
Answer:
11.35
